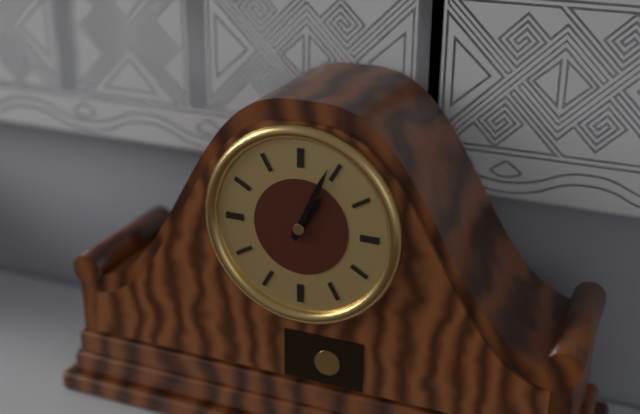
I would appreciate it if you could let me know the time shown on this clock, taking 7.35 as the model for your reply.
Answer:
1.04
